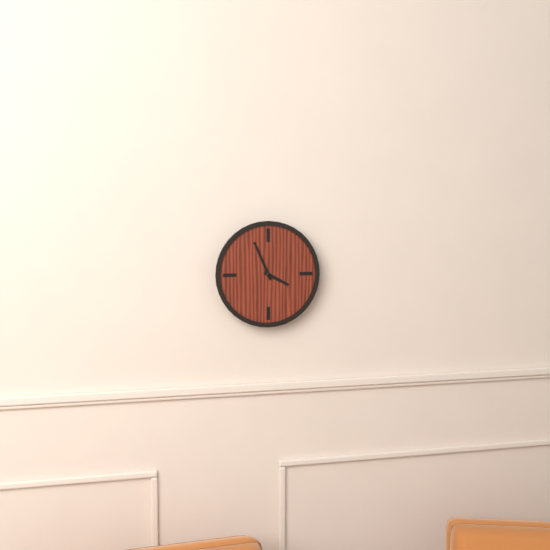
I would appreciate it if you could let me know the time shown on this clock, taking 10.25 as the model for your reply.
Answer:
3.56
